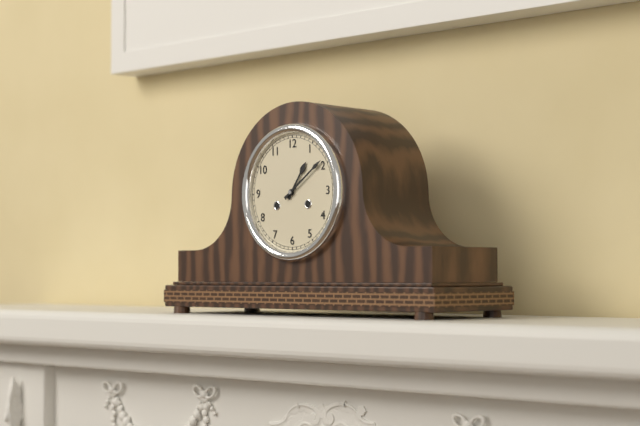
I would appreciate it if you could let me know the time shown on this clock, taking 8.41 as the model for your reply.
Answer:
1.09
